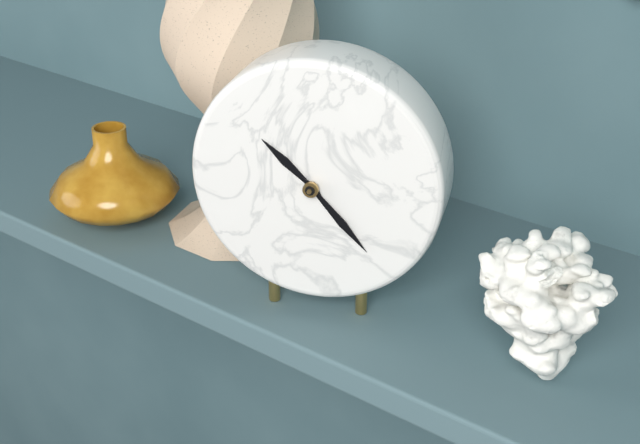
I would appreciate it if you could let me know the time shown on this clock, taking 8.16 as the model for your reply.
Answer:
10.23
